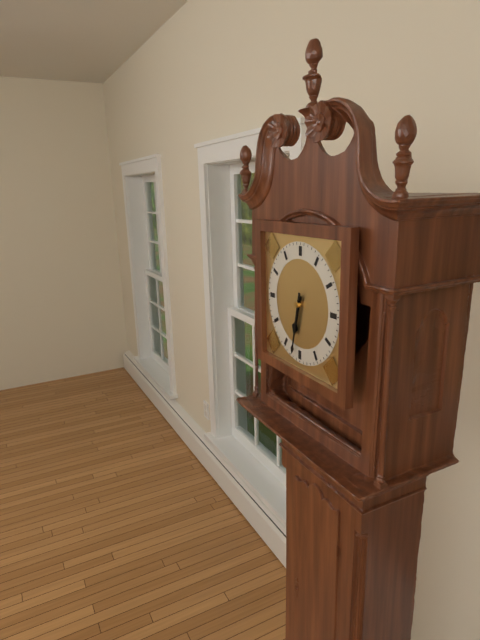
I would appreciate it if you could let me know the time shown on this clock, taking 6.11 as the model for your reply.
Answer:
6.32
